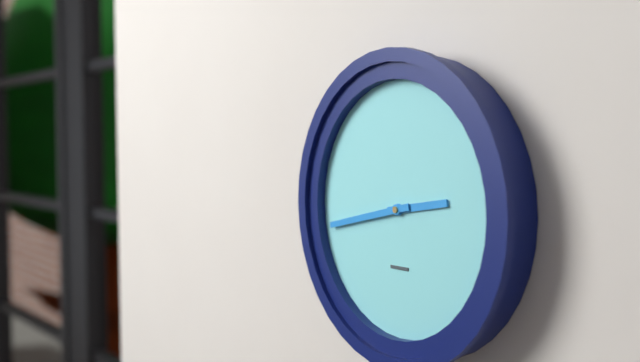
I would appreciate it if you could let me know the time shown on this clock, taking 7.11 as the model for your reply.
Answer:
2.43
